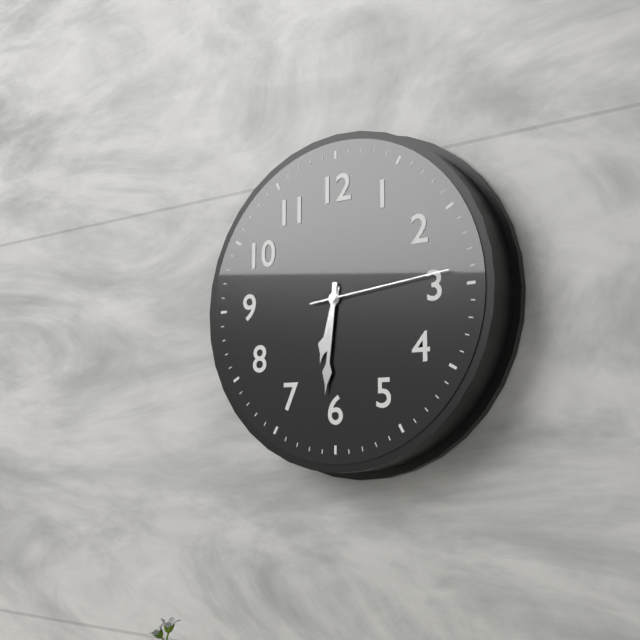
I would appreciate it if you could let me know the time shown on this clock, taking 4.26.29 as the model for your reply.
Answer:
6.31.14
